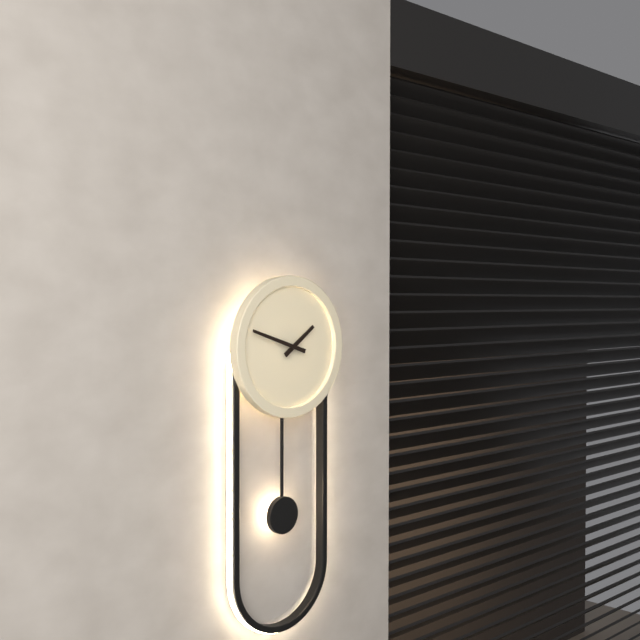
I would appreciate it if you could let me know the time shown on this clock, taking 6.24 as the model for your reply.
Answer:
1.48
